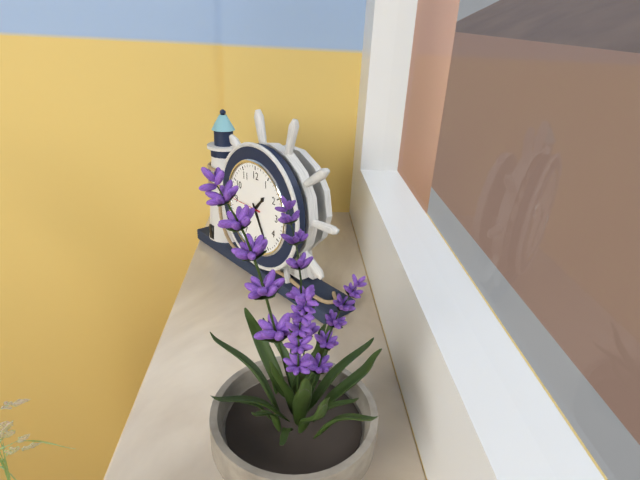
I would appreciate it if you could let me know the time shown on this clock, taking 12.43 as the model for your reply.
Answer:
1.25
